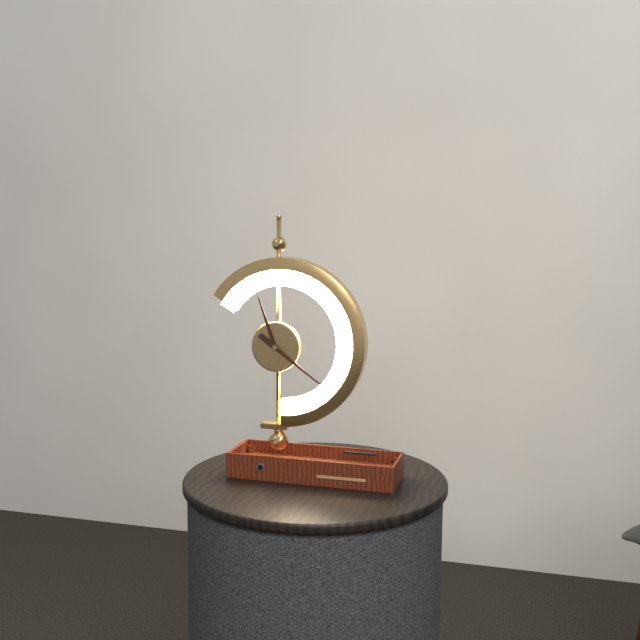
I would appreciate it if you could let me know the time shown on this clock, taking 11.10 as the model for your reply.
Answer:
11.21
